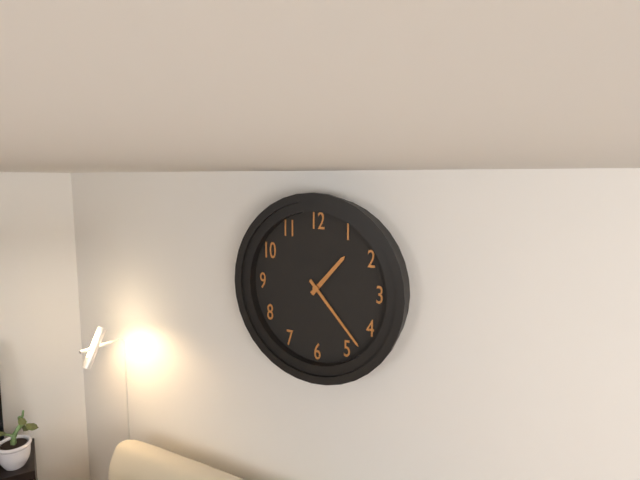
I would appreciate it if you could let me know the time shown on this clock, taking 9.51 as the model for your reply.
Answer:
1.23
